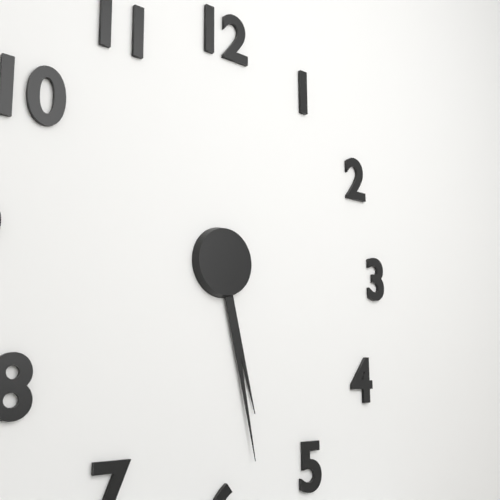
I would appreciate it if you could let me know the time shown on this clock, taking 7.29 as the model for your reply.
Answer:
5.28
